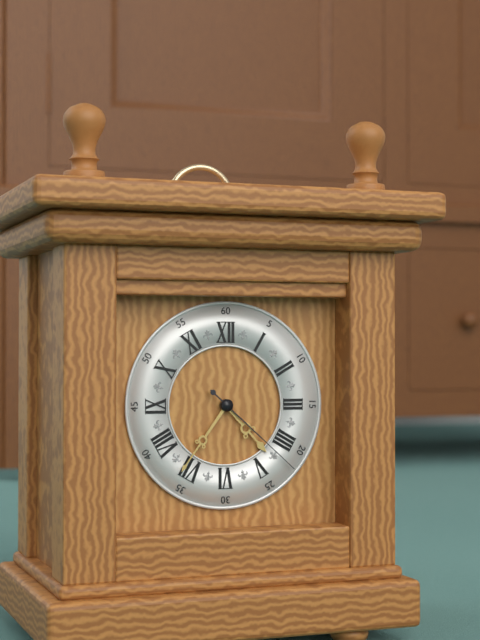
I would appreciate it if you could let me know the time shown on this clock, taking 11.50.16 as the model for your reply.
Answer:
4.36.22
